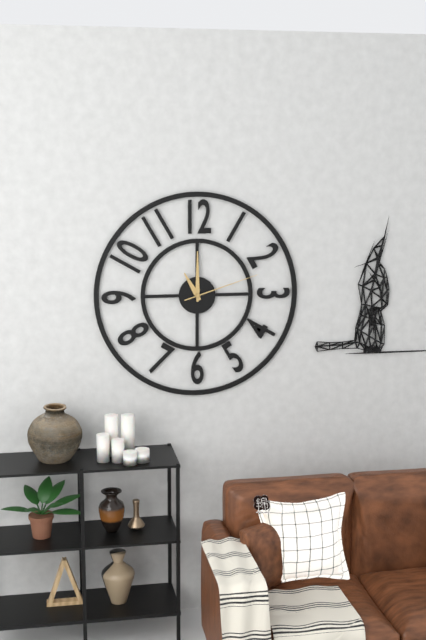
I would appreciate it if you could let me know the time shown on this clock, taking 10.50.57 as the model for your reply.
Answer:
11.00.12
